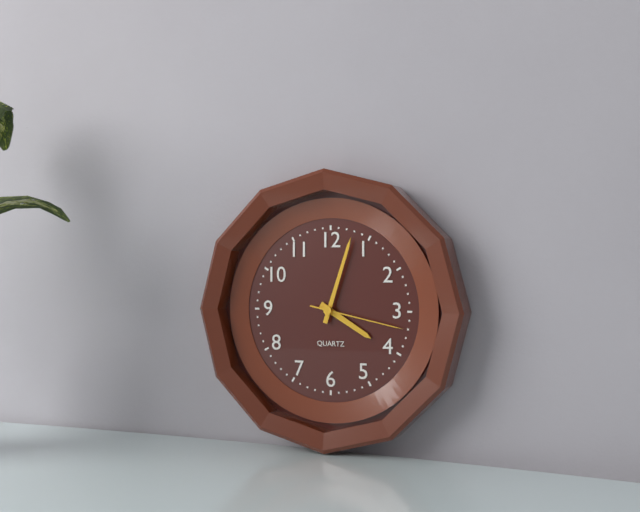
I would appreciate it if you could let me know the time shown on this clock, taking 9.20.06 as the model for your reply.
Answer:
4.03.17
